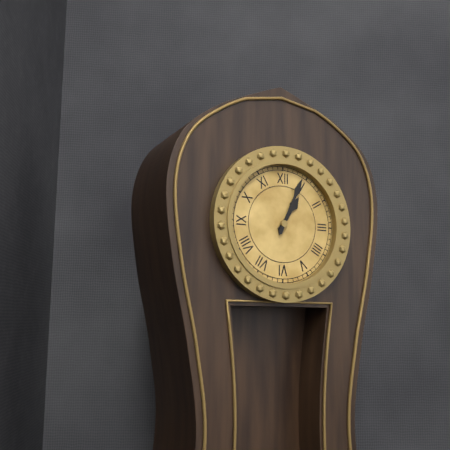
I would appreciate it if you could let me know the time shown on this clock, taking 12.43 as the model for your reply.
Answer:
1.04
